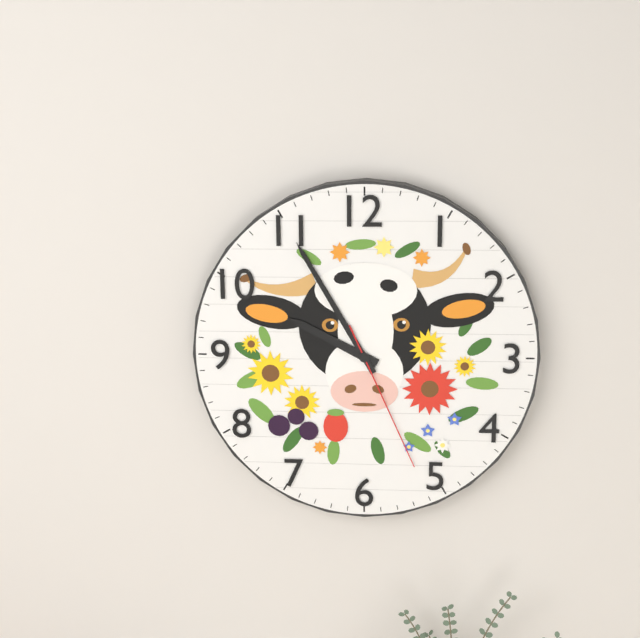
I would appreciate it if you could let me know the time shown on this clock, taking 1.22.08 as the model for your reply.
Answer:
9.55.26
